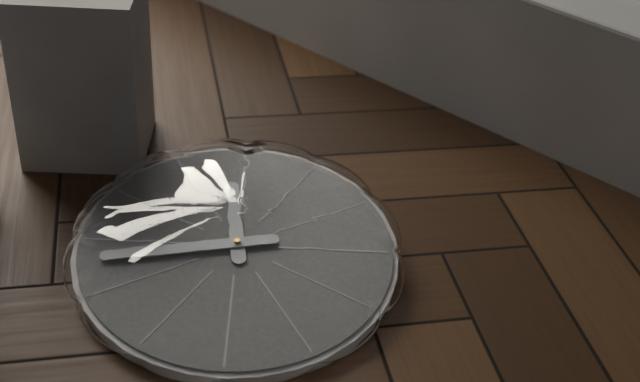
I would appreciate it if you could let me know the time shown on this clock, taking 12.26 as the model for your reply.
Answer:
11.43
